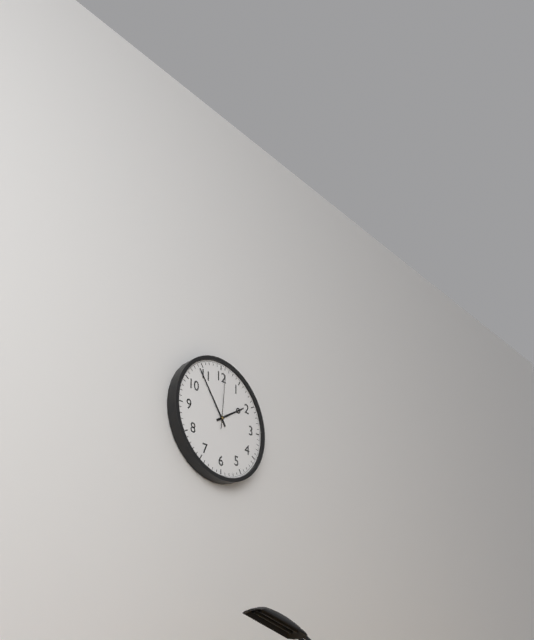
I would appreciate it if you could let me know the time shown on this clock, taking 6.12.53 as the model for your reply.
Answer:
1.54.01
